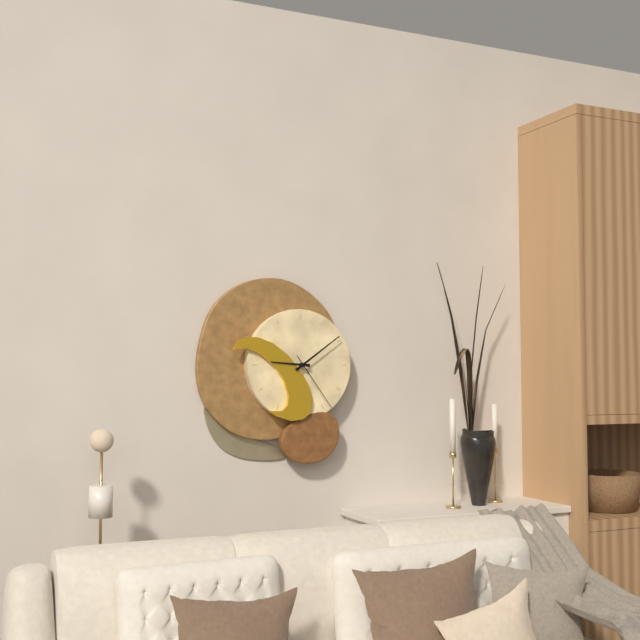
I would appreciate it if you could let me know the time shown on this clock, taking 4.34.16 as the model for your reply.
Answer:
9.09.24
